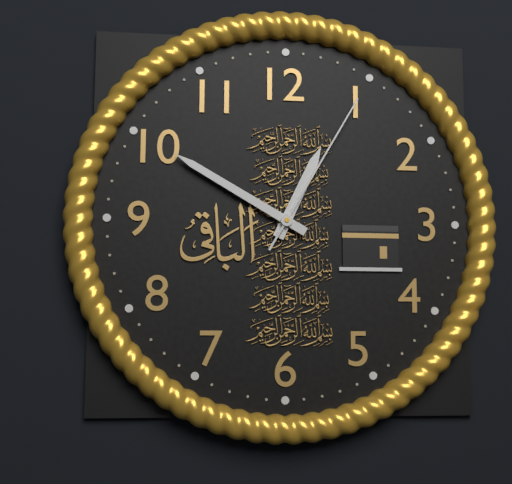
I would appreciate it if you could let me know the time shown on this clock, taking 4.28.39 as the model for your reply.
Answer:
12.50.05
